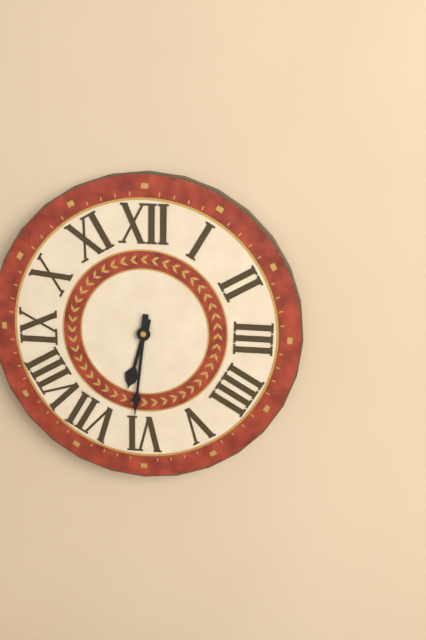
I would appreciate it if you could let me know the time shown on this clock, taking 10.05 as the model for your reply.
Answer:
6.31
